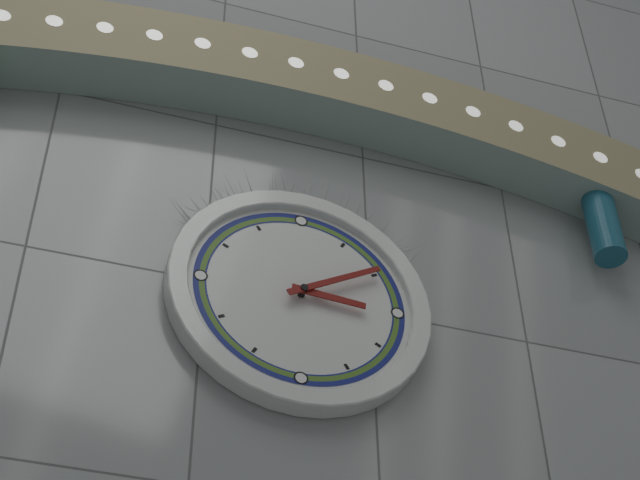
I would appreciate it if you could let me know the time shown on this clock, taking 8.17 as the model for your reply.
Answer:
3.10
